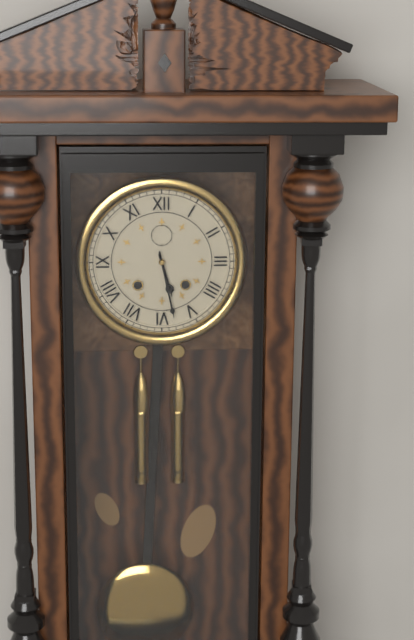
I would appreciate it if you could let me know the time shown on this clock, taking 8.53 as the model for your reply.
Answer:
5.28
